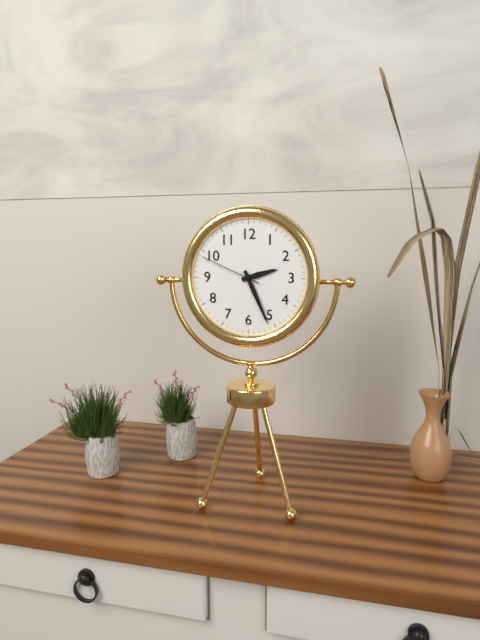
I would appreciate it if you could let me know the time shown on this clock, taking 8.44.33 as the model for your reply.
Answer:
2.26.49
